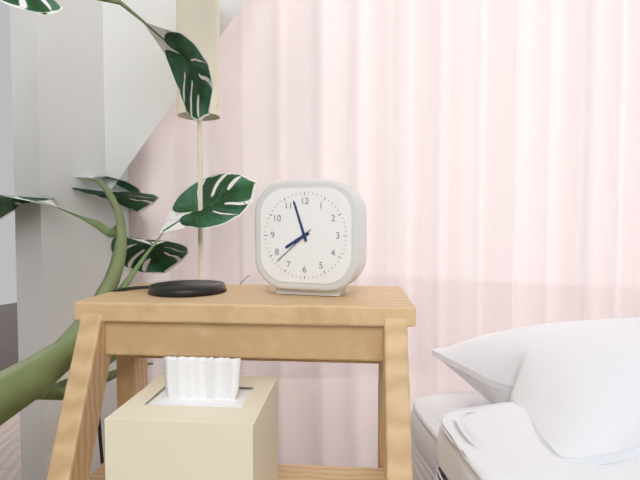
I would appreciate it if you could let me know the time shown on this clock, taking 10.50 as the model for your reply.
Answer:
7.57
